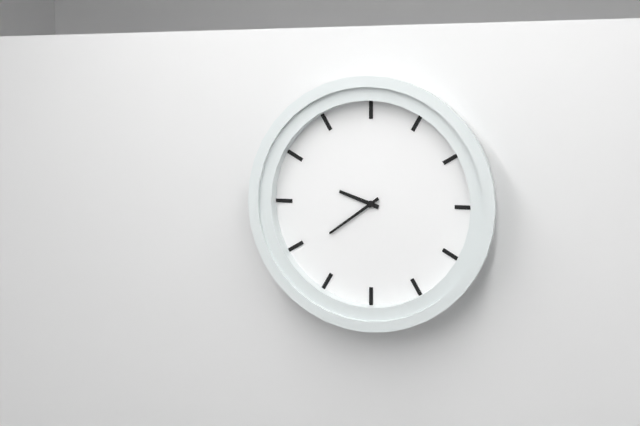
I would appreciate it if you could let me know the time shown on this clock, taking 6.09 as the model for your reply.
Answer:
9.39
